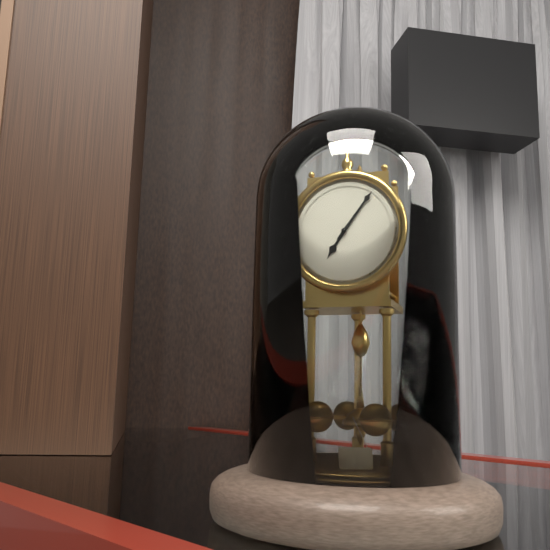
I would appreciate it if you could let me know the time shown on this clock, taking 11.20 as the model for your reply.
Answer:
7.06
